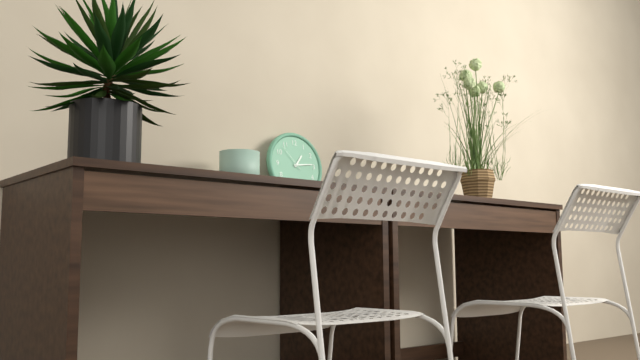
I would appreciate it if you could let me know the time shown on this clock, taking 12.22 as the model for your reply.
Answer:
1.14
